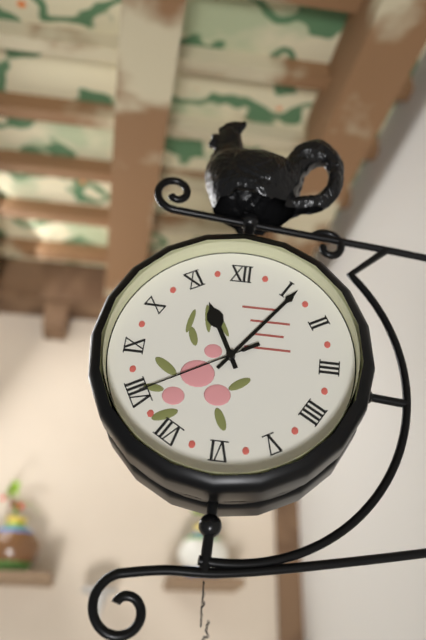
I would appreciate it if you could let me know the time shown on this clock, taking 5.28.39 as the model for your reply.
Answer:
11.06.40
